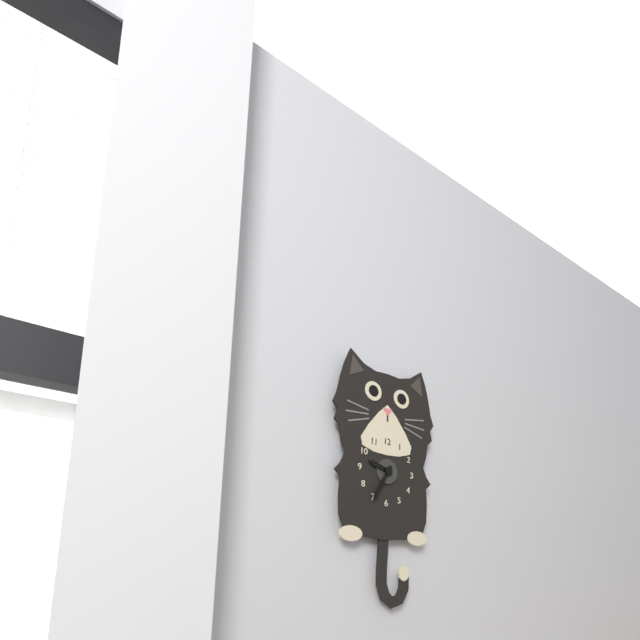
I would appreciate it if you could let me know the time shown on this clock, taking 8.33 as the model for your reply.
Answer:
9.35
